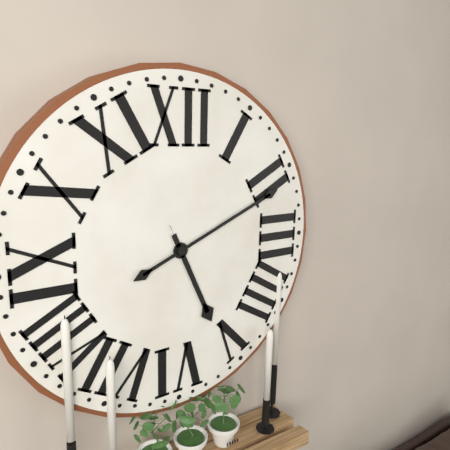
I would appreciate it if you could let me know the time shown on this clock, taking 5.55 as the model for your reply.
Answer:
5.11
